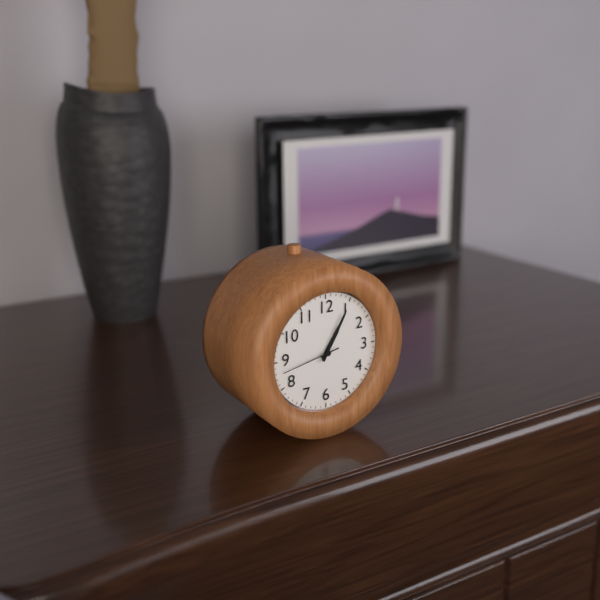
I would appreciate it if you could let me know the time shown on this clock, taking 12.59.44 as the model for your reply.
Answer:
1.05.43
